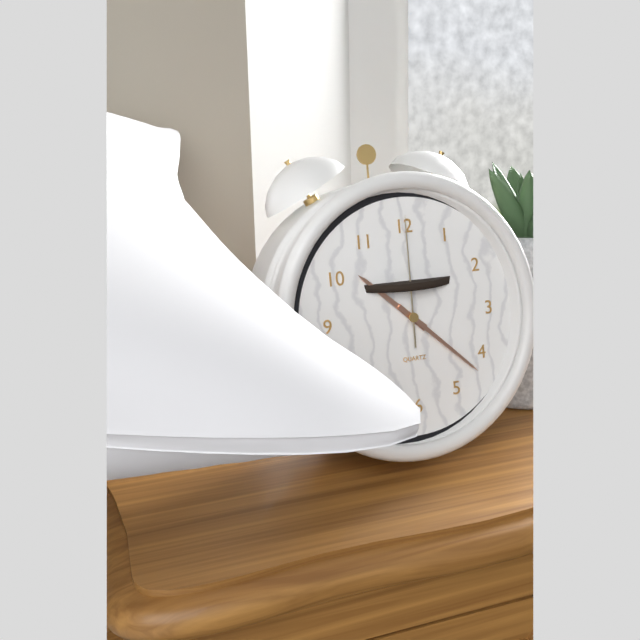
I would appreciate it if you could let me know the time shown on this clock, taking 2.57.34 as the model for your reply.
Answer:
10.22.00
